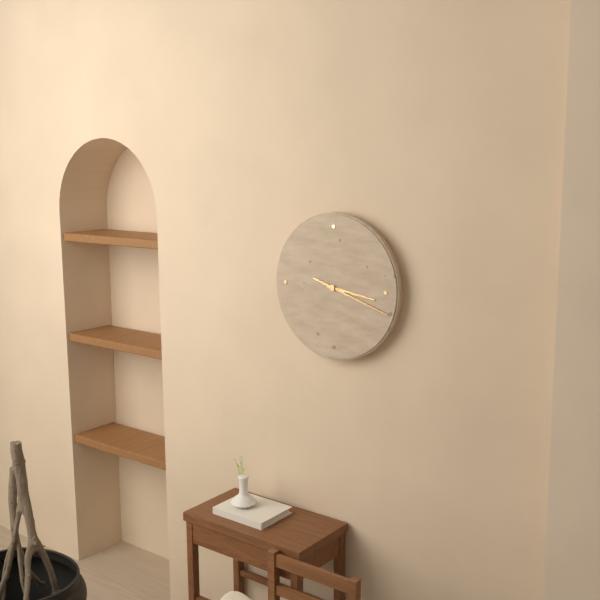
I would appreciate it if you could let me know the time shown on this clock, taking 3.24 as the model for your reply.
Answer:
3.18
